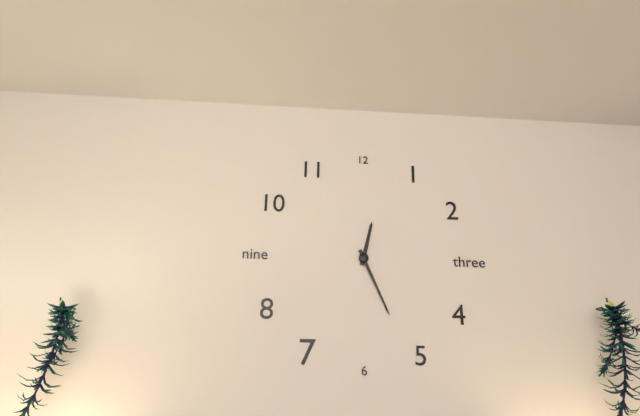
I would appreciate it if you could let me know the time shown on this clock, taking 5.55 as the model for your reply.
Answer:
12.26
